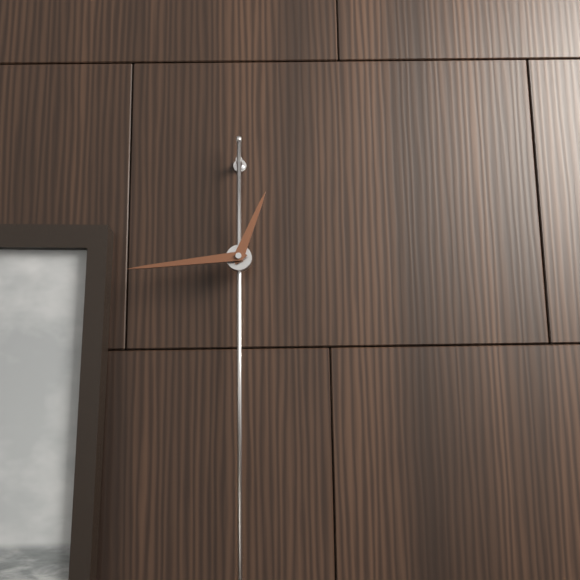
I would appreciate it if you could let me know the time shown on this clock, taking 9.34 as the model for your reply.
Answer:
12.44
